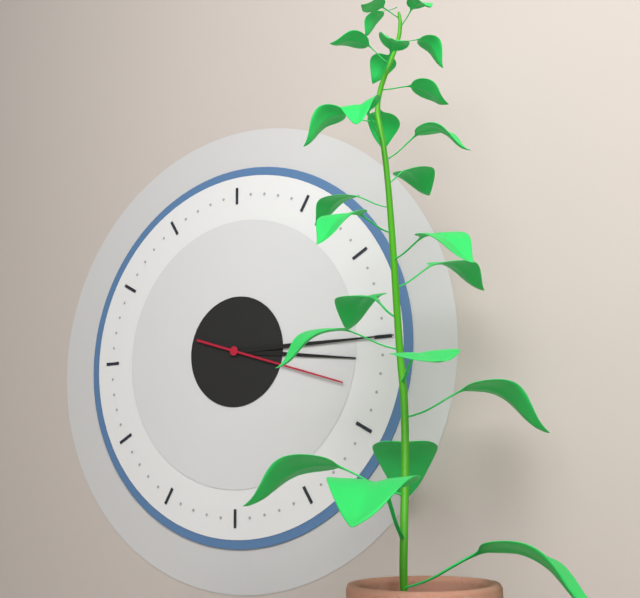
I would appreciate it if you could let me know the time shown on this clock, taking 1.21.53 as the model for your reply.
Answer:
3.15.18
